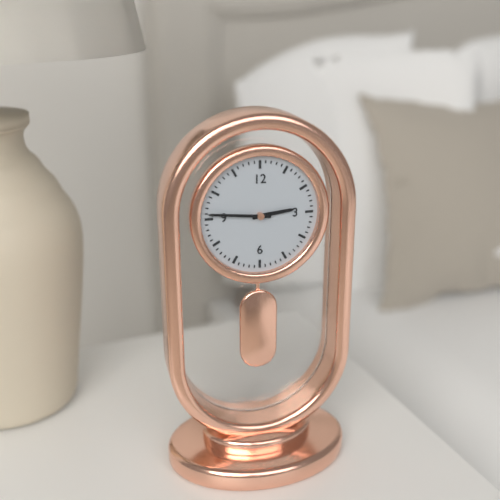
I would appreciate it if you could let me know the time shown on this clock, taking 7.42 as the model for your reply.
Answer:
2.46
